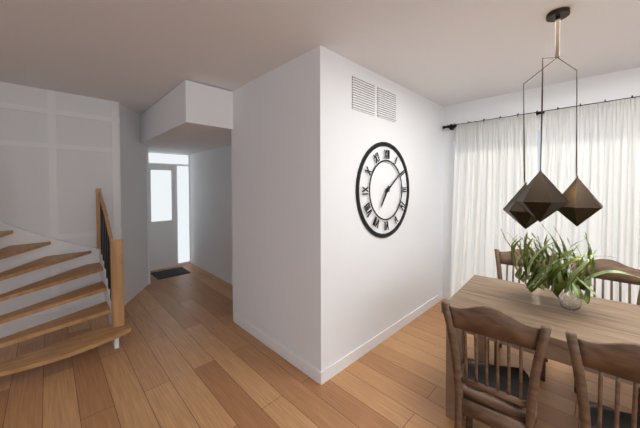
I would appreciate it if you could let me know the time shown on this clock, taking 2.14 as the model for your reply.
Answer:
7.09
